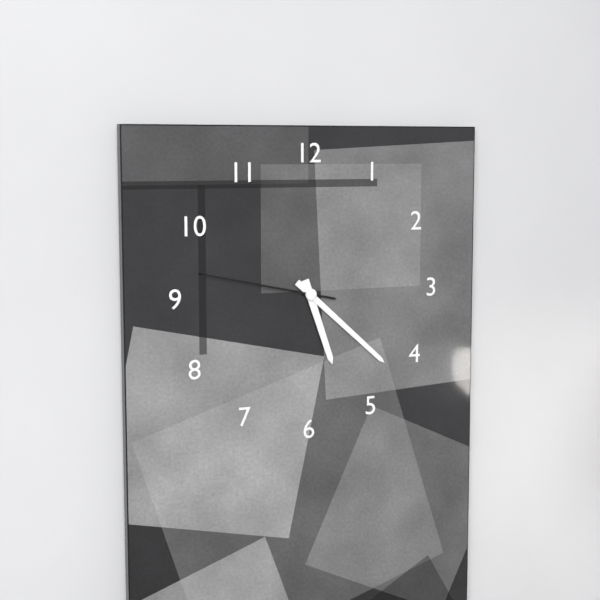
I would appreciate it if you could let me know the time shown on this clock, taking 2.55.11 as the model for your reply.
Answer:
5.22.47
